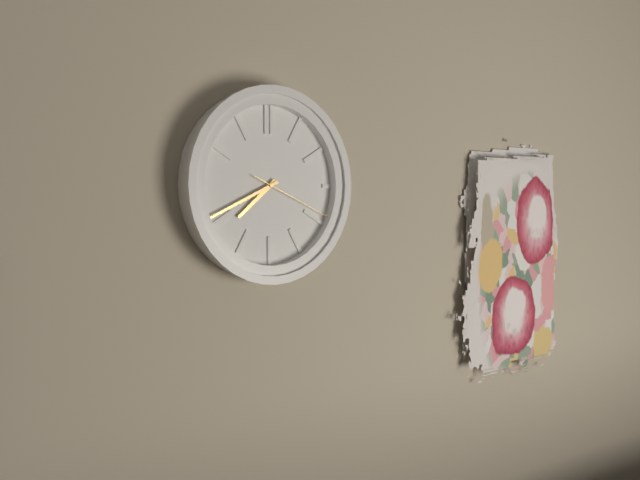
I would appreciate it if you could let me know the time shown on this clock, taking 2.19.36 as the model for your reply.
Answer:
7.41.19
